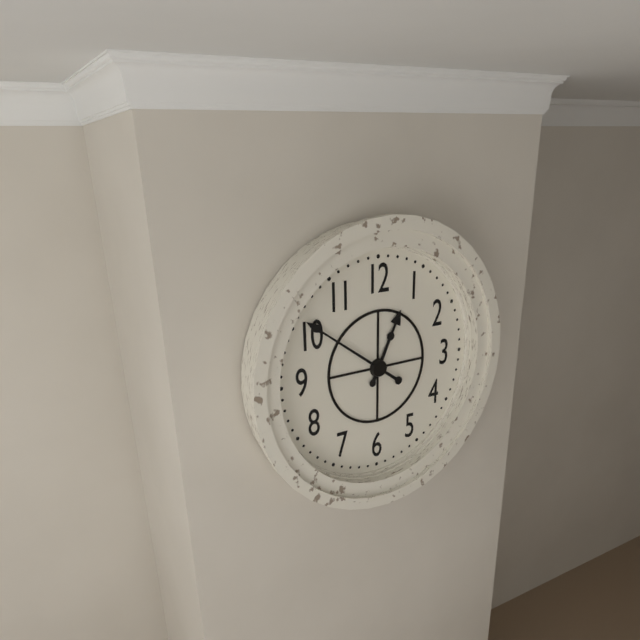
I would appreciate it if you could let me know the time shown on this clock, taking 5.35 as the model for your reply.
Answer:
12.51
